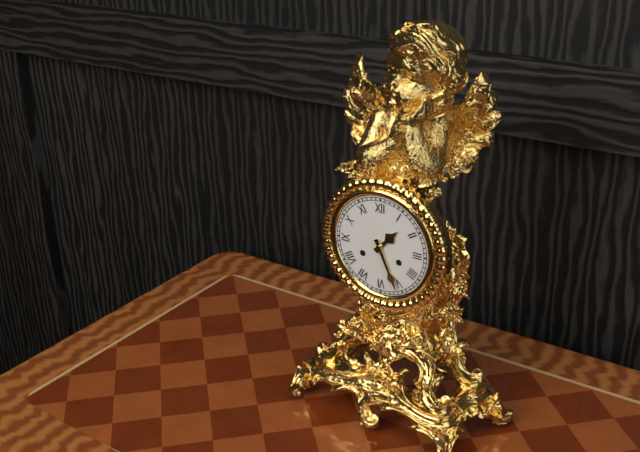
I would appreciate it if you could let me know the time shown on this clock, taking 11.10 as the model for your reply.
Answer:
1.26
